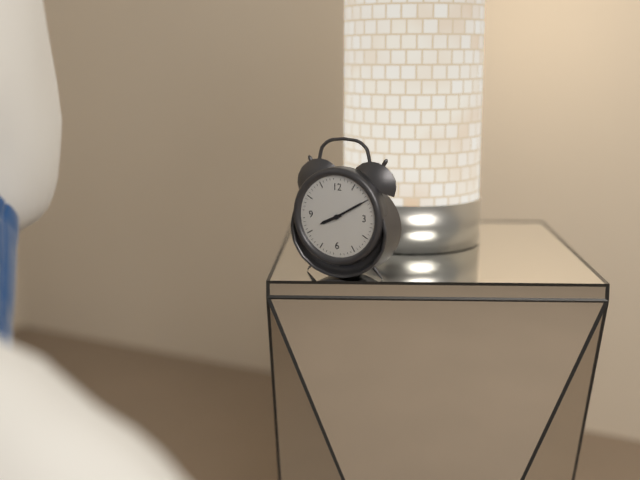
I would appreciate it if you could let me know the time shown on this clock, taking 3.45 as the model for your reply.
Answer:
8.10
